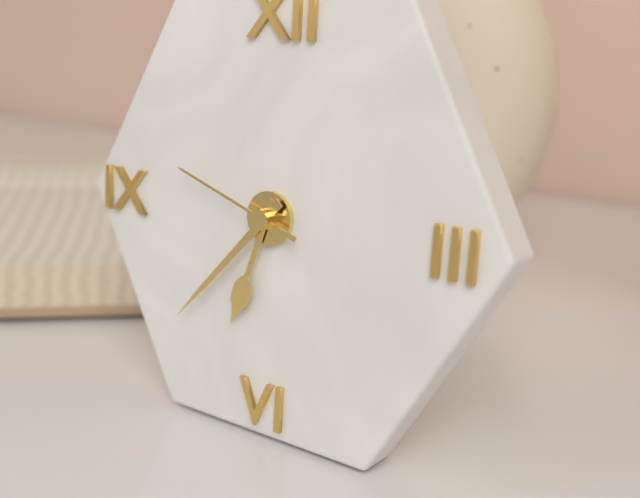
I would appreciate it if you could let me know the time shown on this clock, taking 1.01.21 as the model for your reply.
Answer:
6.37.48
